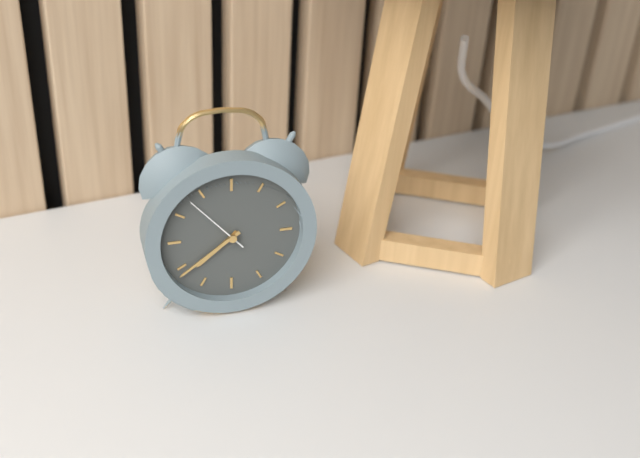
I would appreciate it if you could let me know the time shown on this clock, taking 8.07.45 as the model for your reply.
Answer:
7.39.53
